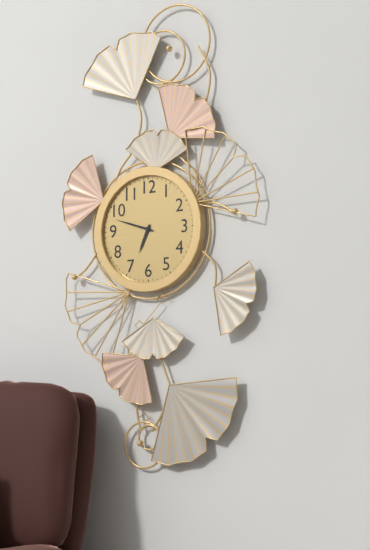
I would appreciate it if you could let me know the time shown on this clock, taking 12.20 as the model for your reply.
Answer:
6.48
